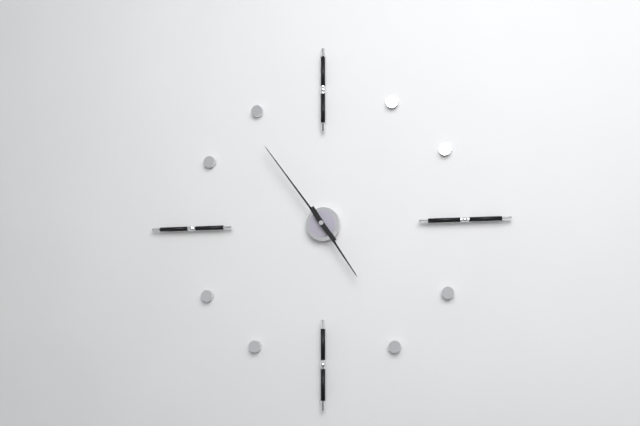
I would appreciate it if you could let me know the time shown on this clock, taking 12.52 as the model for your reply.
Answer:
4.54
